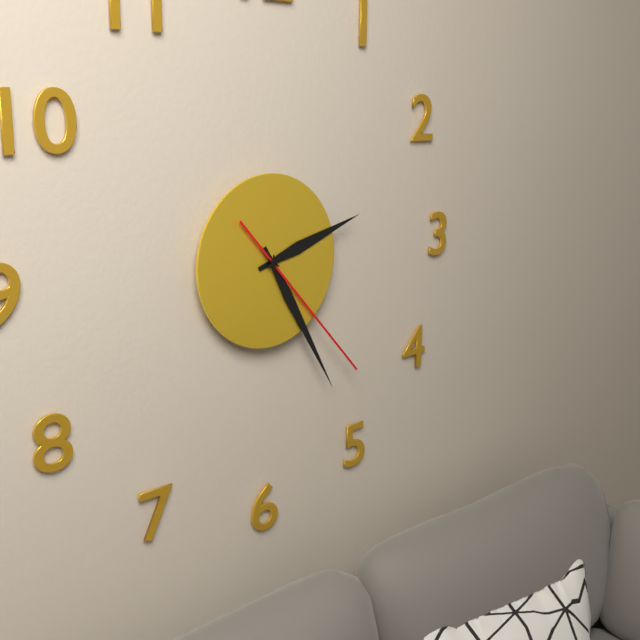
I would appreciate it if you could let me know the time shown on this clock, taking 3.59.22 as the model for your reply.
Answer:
2.25.23
